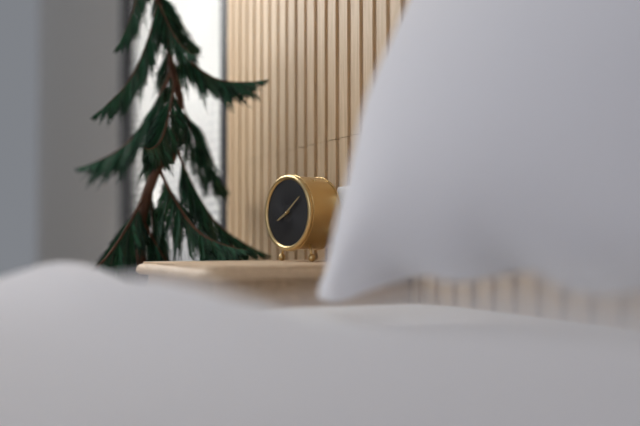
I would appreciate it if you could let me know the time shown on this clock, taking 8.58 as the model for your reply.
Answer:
8.09
